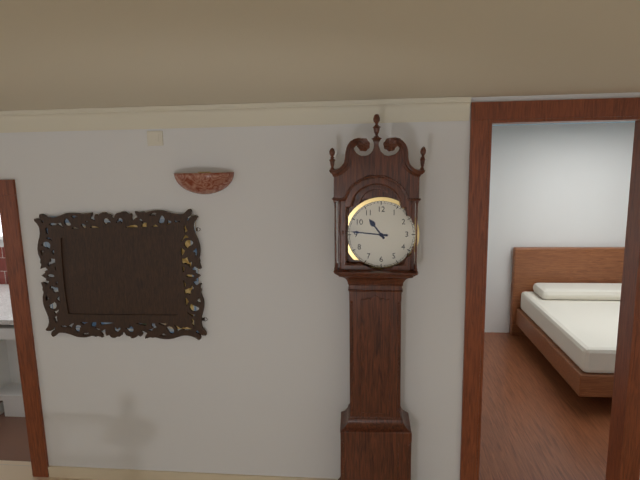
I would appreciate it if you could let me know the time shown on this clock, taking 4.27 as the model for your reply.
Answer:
10.46
